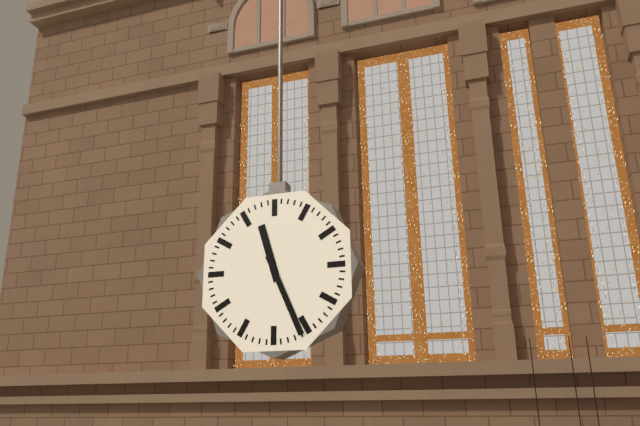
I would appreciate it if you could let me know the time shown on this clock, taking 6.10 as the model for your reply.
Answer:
11.26
